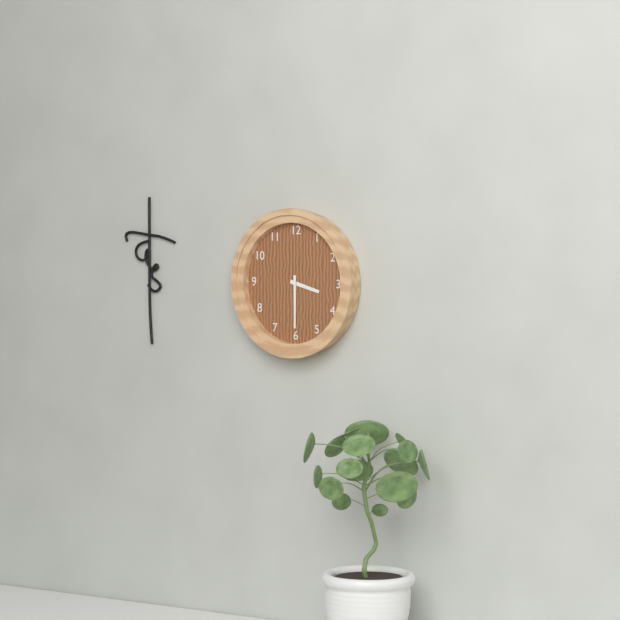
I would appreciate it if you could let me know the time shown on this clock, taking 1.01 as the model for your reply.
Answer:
3.30
